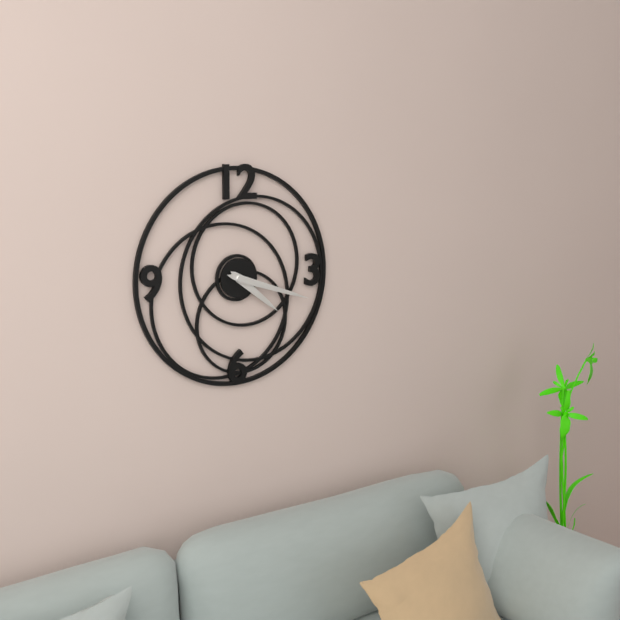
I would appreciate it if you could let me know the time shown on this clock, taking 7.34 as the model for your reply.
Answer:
4.18
